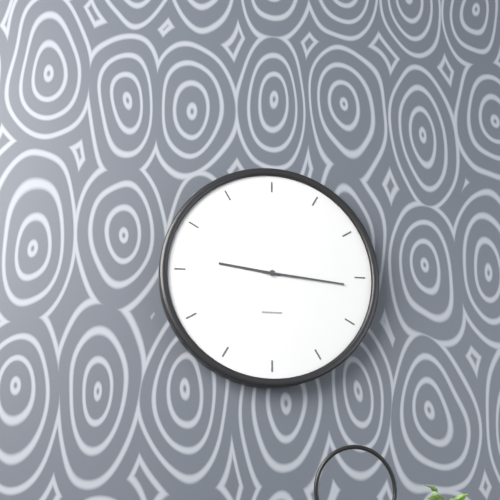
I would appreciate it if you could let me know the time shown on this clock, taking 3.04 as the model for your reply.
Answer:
9.16
